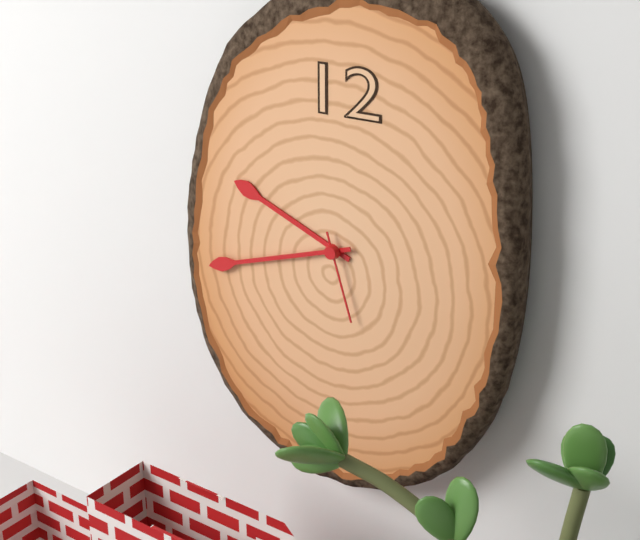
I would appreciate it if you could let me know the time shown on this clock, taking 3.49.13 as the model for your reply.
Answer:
9.42.27
